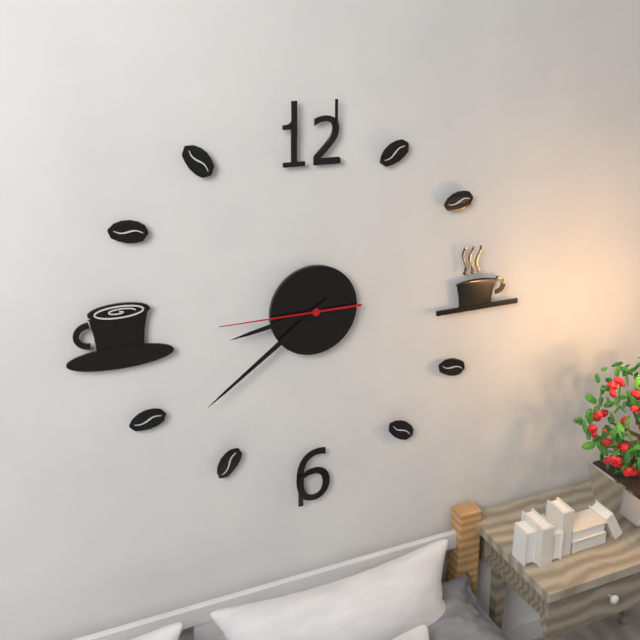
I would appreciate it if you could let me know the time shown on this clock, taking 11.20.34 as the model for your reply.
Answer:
8.39.45
